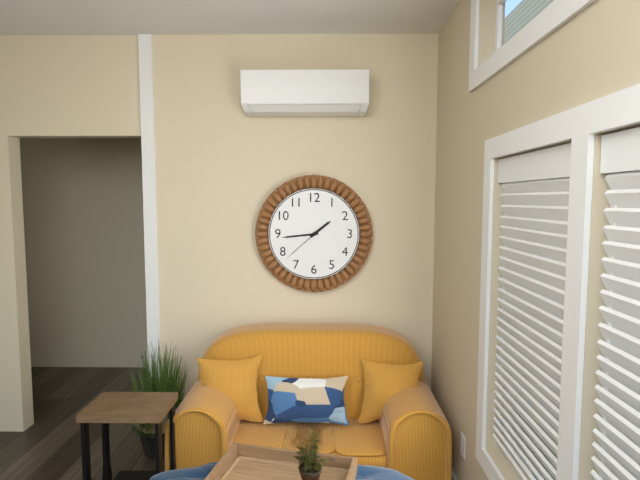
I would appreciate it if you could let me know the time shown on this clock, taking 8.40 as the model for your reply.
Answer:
1.44
